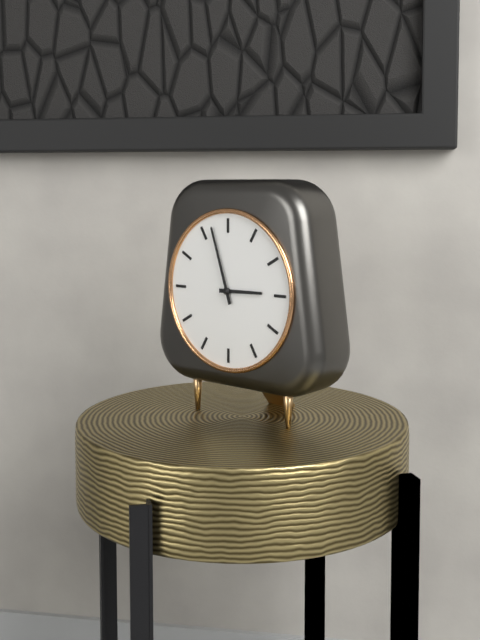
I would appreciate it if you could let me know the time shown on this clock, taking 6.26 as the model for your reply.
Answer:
2.57
